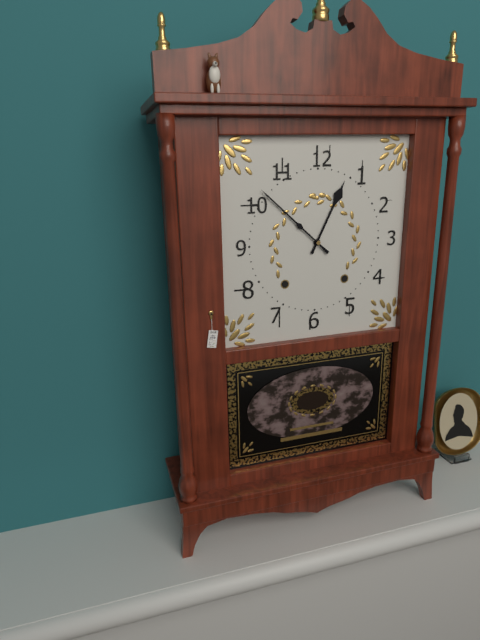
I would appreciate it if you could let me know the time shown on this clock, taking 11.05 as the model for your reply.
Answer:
12.52
